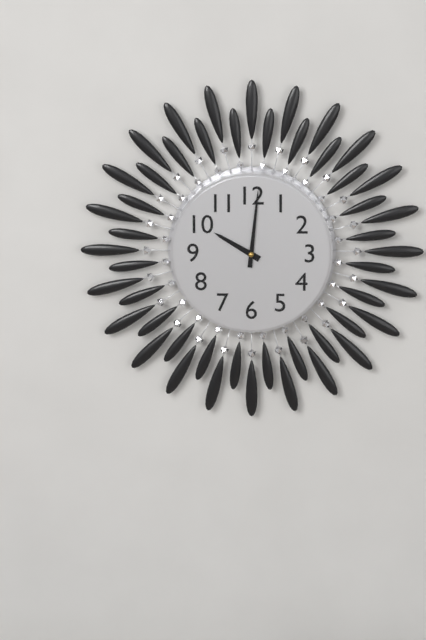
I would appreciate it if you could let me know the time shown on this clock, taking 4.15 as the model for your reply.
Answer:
10.01
